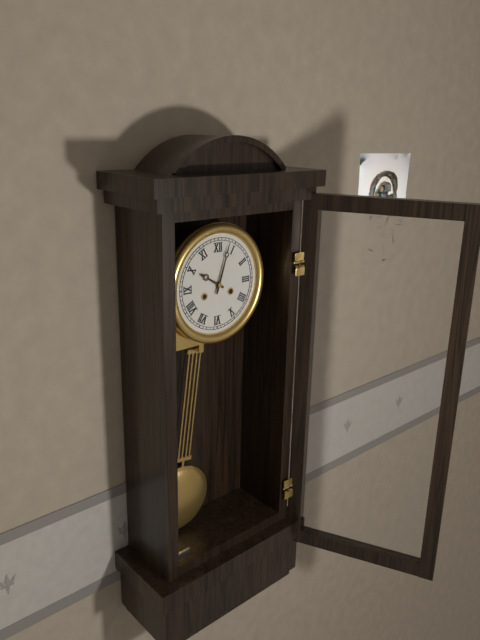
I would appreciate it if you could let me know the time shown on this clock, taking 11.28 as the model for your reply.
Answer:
10.03
